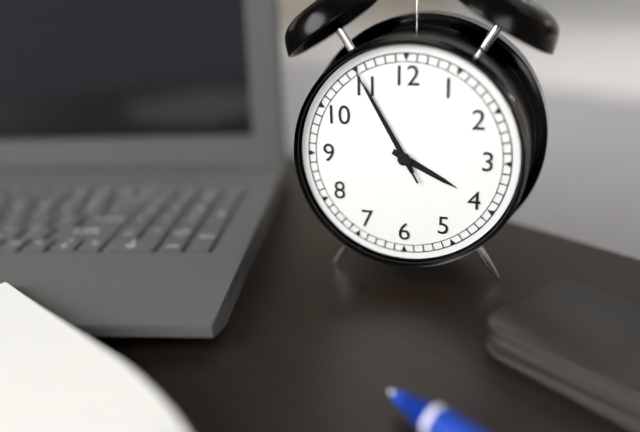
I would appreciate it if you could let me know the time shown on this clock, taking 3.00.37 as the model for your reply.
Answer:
3.55.55
